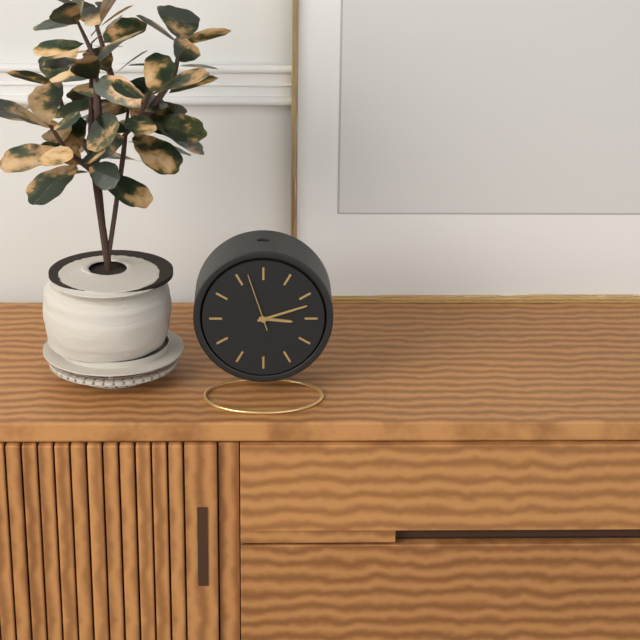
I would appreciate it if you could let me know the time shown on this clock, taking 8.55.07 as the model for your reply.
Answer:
3.12.57
